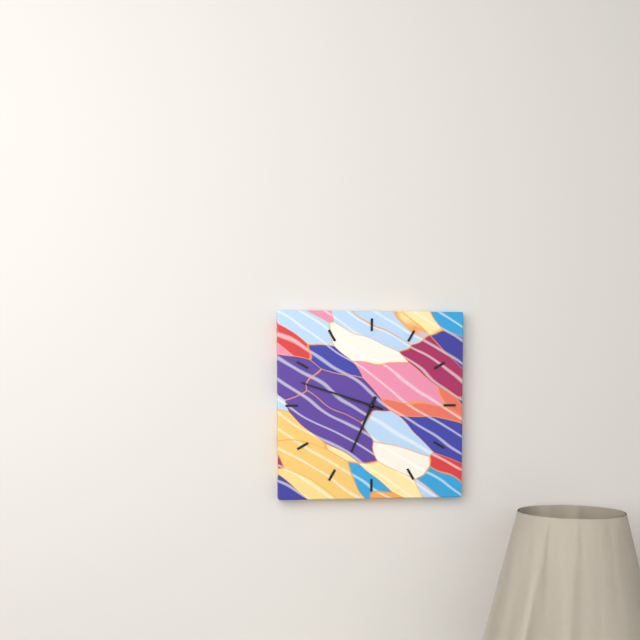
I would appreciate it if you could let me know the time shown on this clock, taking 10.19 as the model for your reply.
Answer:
6.48
